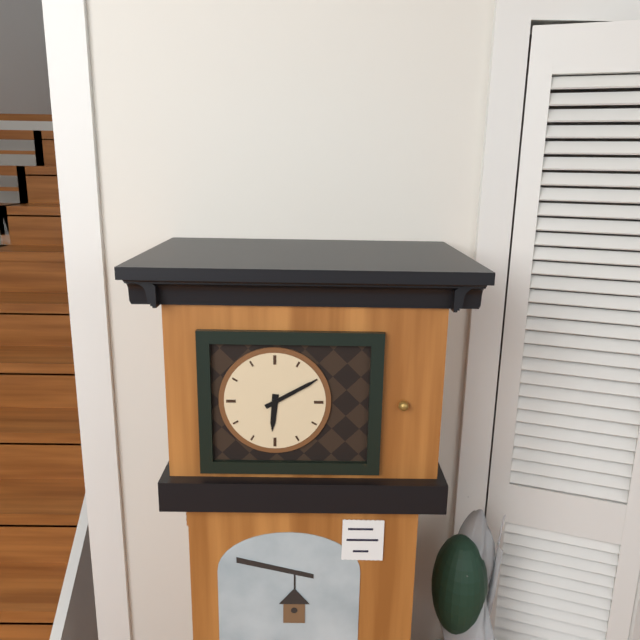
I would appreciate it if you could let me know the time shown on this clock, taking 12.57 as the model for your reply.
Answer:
6.10
